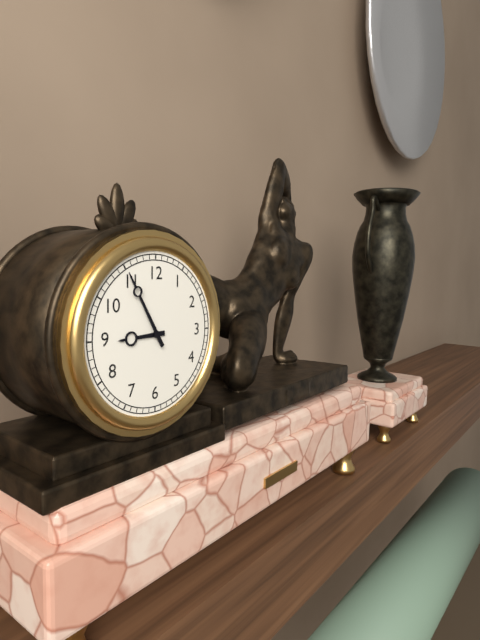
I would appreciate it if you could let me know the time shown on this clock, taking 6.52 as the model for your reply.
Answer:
8.55
